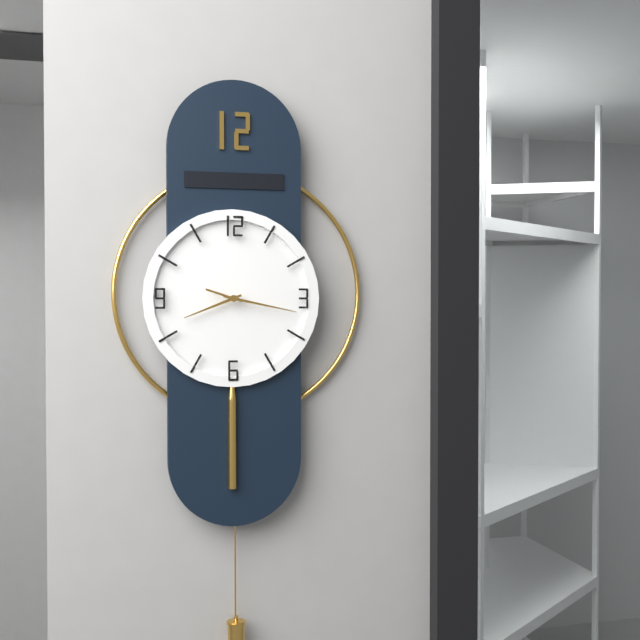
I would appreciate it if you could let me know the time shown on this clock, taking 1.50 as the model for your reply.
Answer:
8.17
